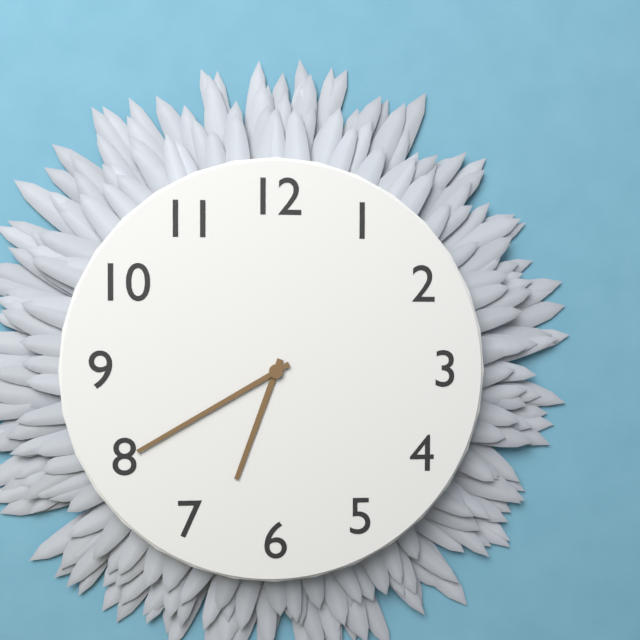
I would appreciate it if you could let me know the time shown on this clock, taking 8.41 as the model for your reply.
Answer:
6.40
